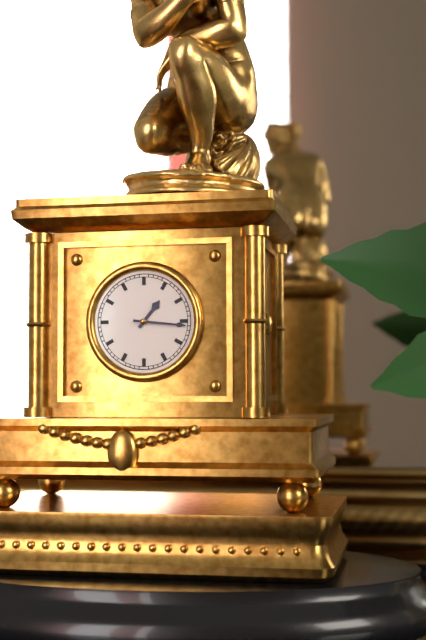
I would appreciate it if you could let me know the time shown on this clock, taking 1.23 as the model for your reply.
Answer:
1.16
